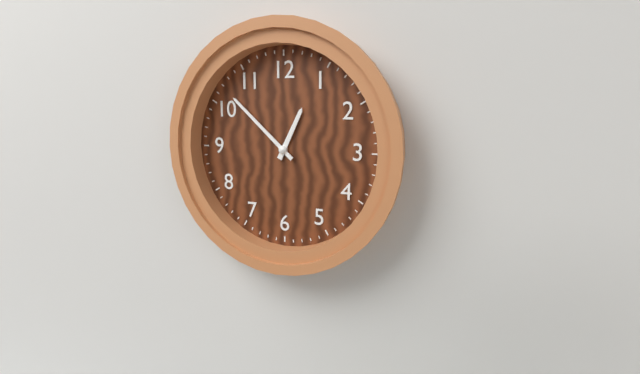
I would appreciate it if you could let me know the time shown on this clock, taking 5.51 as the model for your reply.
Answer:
12.52
